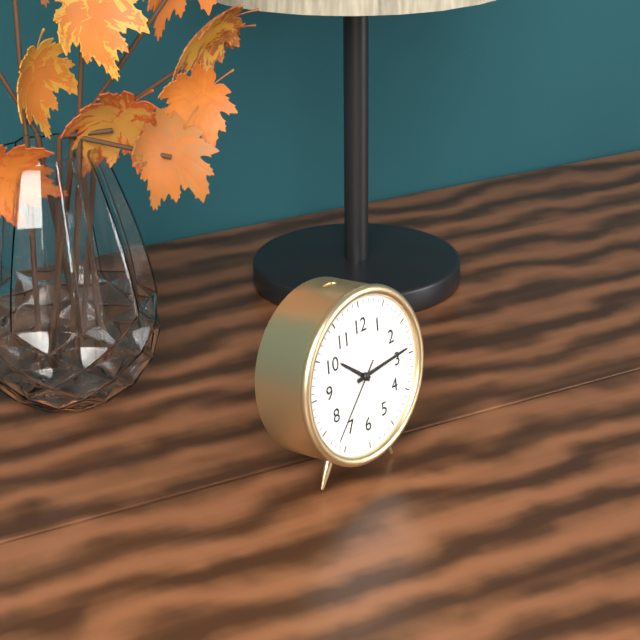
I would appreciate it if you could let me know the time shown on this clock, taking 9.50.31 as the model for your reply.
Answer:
10.14.37
